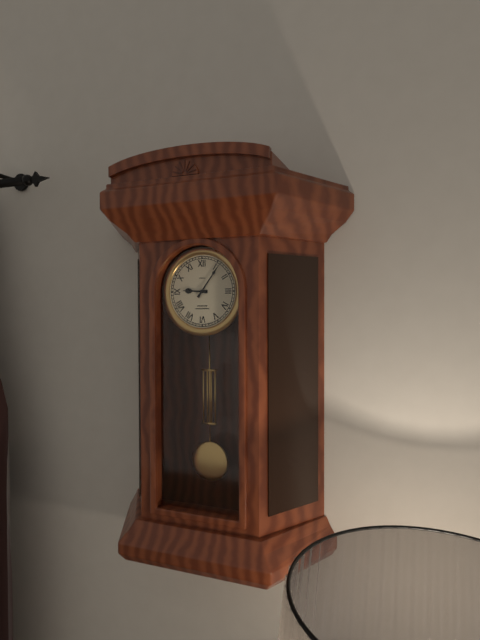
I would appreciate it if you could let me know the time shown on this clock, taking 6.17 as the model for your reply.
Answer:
9.06
